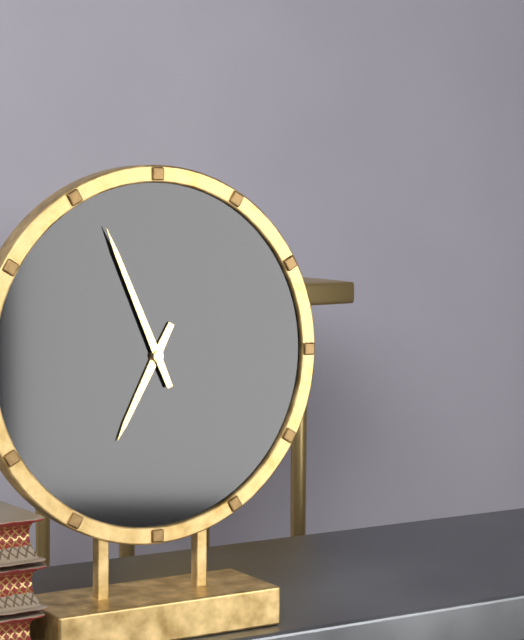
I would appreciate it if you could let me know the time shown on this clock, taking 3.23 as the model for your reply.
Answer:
6.56
